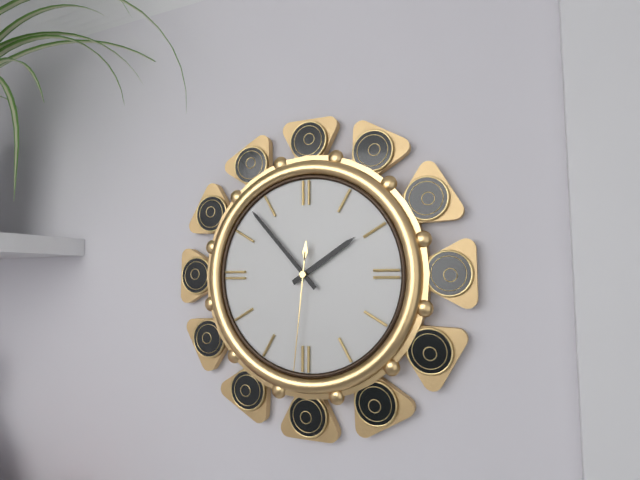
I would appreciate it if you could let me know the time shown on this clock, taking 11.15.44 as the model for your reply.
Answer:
1.53.31
